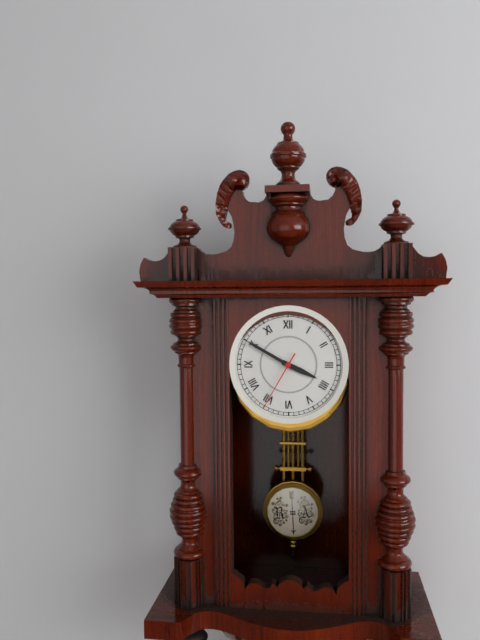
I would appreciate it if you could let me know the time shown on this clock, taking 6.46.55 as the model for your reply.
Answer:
3.50.35
